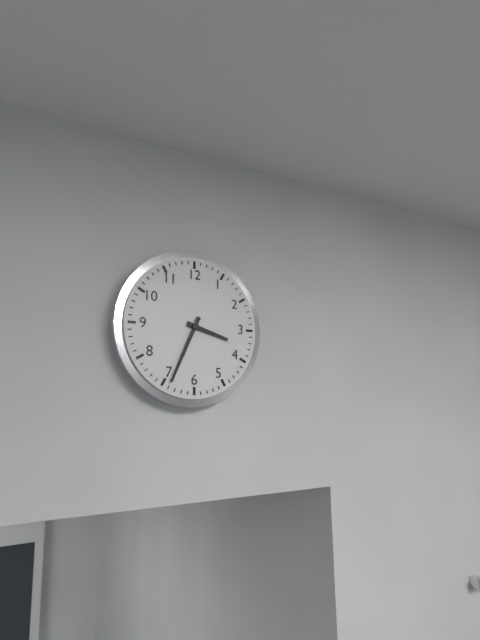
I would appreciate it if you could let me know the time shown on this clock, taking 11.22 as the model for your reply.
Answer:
3.34
